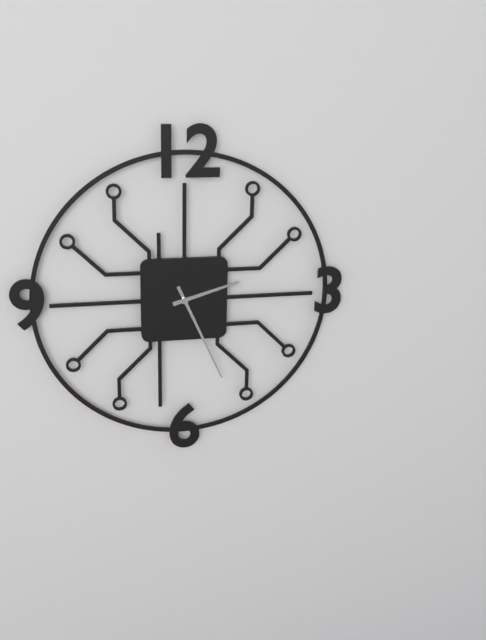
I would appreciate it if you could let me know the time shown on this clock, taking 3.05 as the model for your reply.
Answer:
2.26
